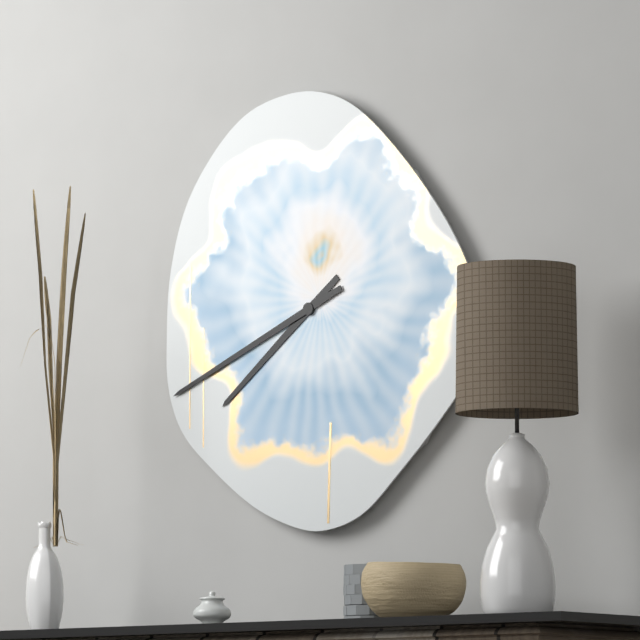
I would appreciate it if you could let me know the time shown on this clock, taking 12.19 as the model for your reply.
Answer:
7.41
